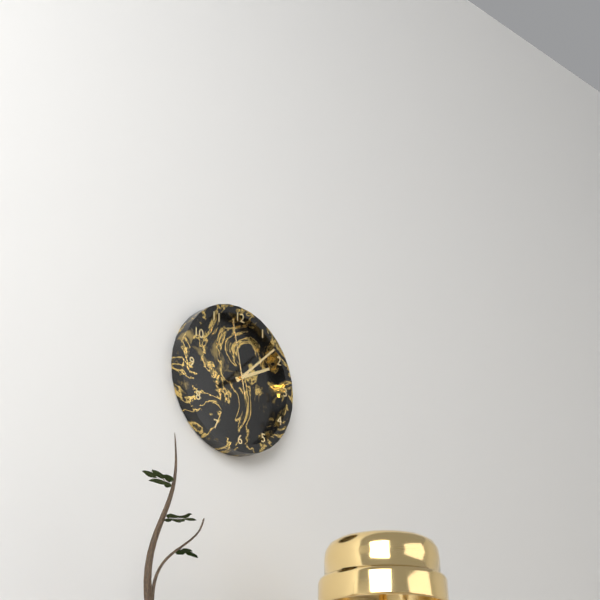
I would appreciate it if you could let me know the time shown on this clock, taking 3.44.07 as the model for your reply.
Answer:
2.08.58
